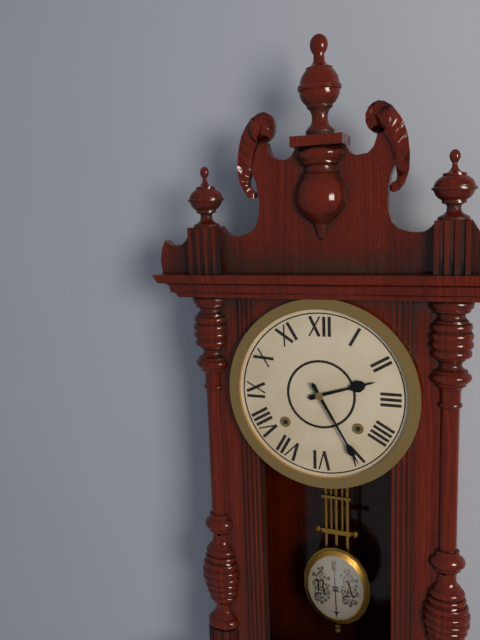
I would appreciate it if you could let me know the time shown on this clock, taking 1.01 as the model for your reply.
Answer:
2.25
